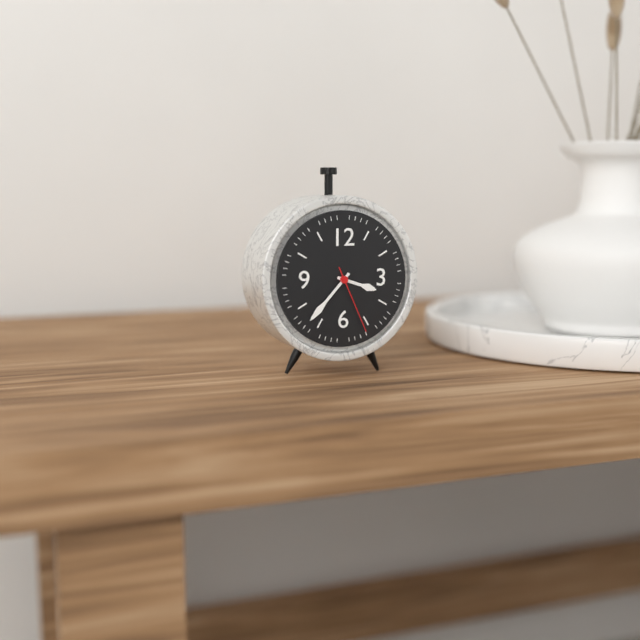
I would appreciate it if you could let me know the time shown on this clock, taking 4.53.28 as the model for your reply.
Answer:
3.37.26
